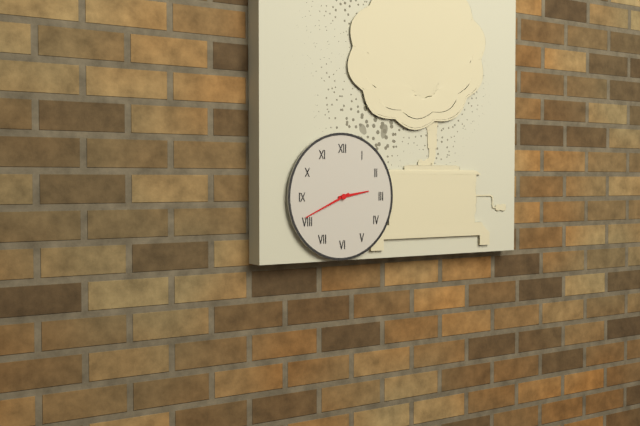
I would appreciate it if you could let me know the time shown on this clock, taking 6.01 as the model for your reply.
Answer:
2.41
